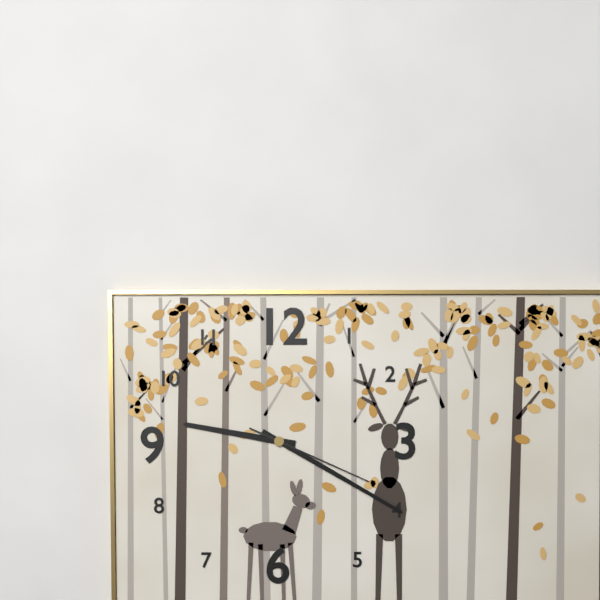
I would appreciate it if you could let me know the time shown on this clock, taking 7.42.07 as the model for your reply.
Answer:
9.20.19
